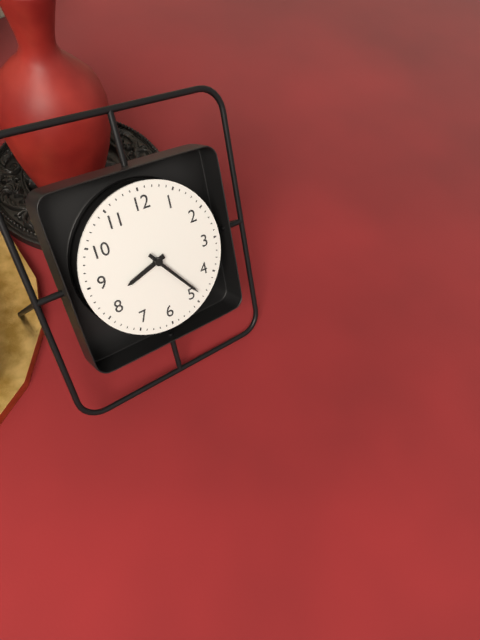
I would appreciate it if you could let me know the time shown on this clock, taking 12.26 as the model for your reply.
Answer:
8.24
